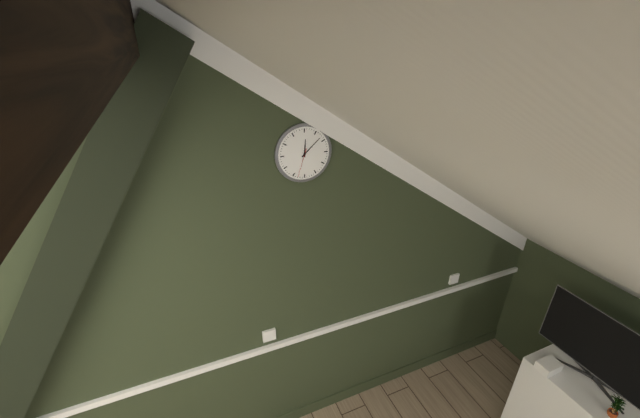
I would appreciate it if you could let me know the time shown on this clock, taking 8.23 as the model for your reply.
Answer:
12.08
